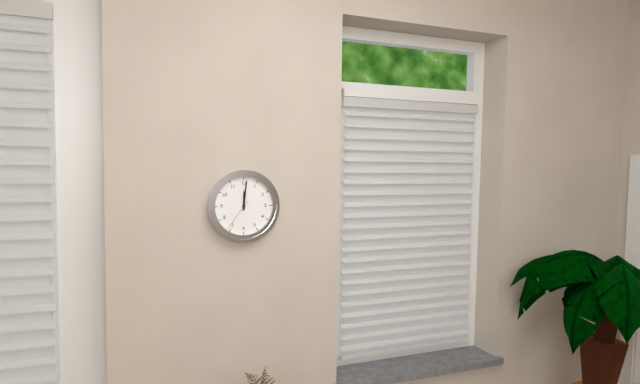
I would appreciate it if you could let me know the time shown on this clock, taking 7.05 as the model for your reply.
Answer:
12.01
